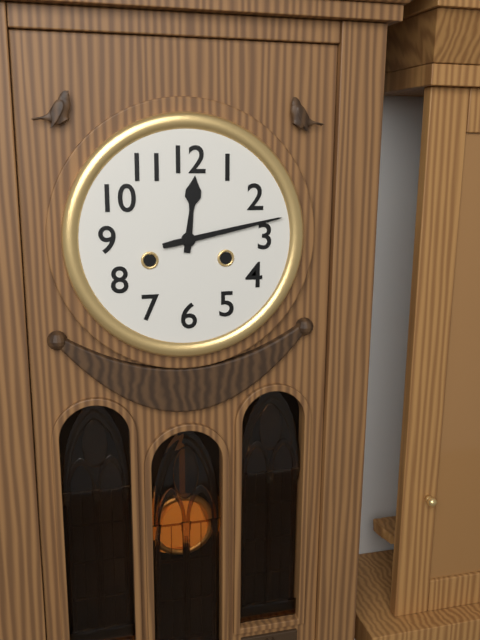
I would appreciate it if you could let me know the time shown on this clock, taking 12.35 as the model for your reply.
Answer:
12.13
